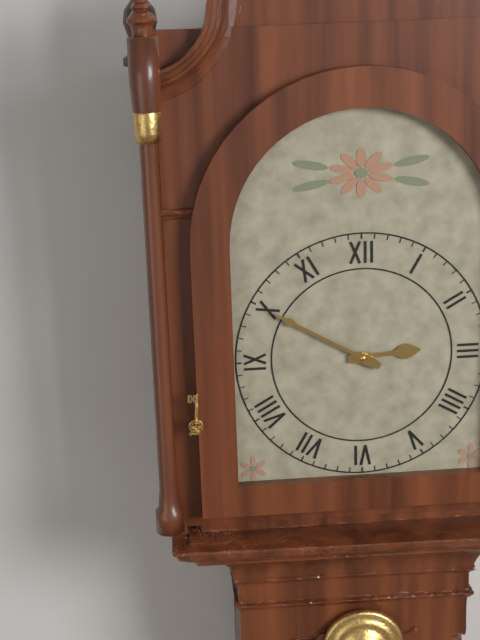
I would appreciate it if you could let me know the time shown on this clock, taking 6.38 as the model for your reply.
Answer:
2.50
